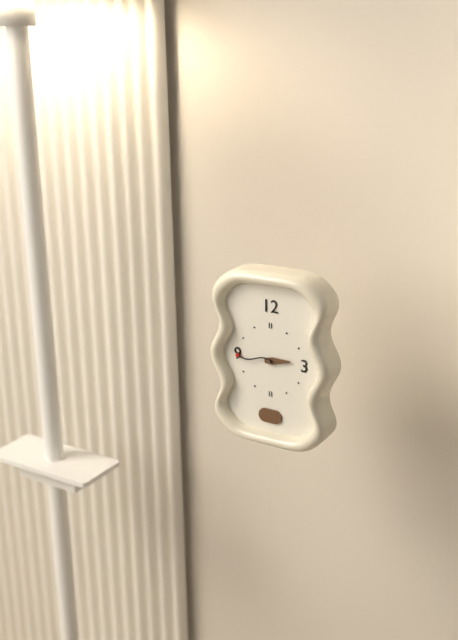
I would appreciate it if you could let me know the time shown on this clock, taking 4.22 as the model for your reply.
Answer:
2.45
